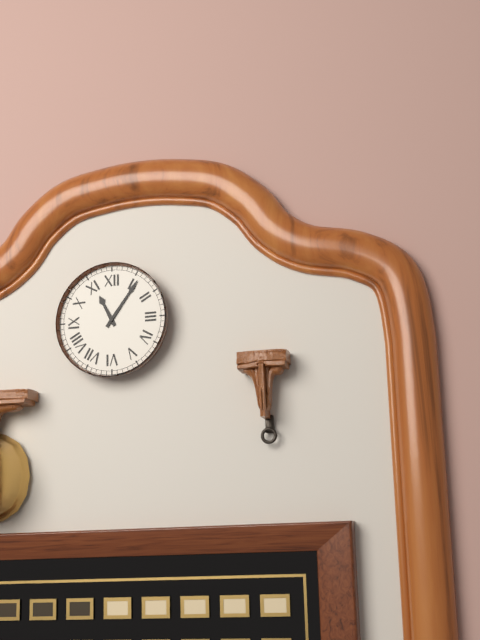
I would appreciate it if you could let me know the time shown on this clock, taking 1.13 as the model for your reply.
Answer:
11.06
